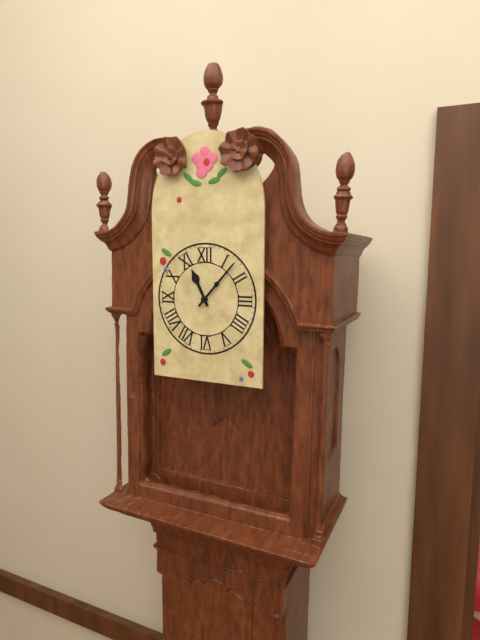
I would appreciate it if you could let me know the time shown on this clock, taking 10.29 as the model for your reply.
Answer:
11.07
